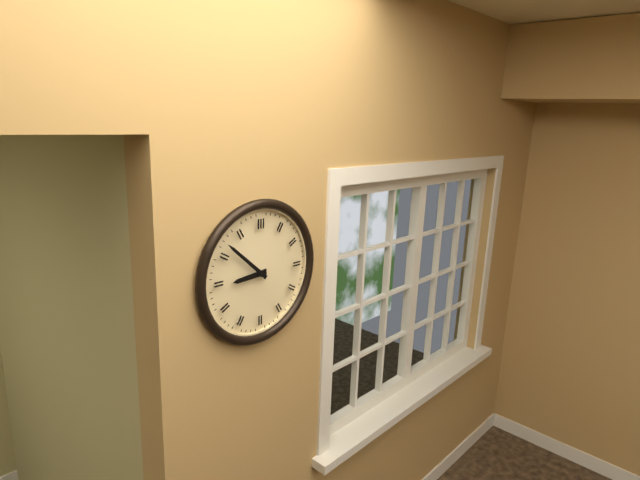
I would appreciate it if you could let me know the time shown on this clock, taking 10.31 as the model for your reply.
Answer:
8.52
